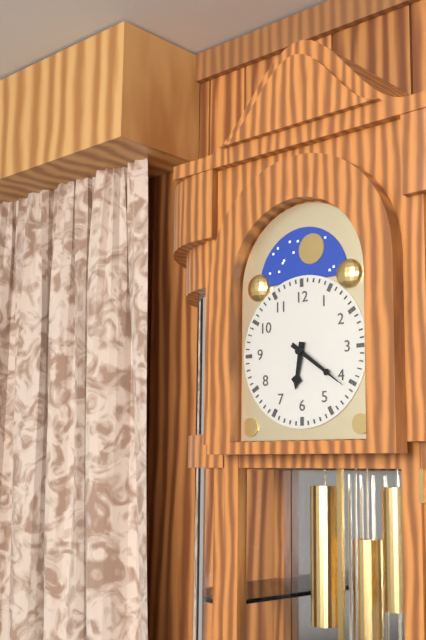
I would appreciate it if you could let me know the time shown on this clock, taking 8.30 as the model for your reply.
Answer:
6.21
